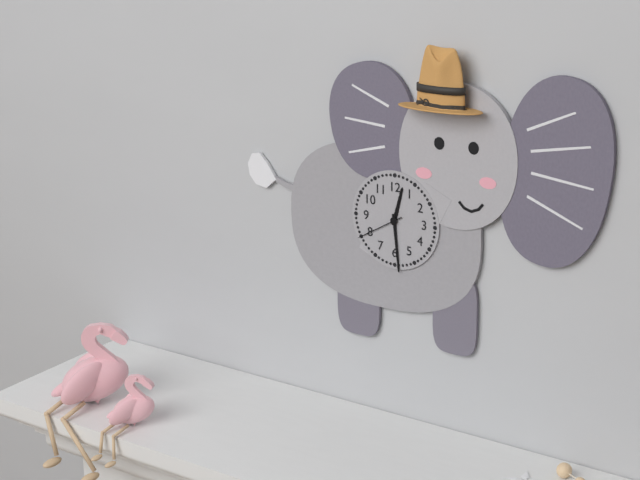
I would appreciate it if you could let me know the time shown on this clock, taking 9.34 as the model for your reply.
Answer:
12.29
